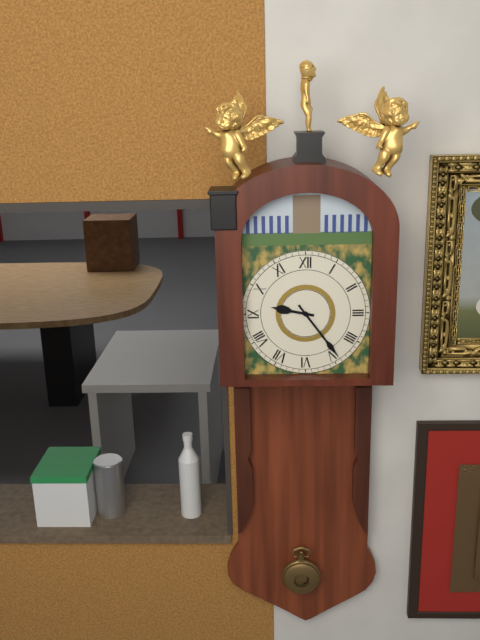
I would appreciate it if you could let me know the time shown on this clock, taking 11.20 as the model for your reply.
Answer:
9.24
